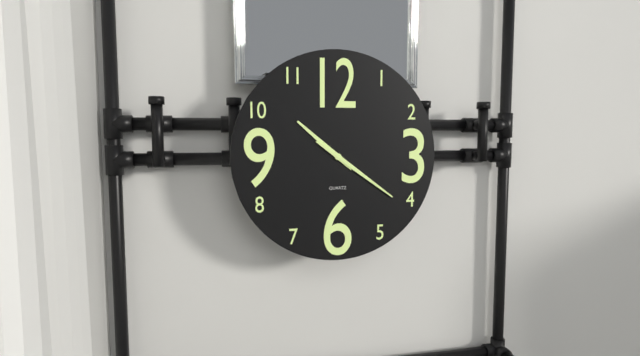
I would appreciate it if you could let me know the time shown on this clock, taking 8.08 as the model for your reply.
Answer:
10.21
